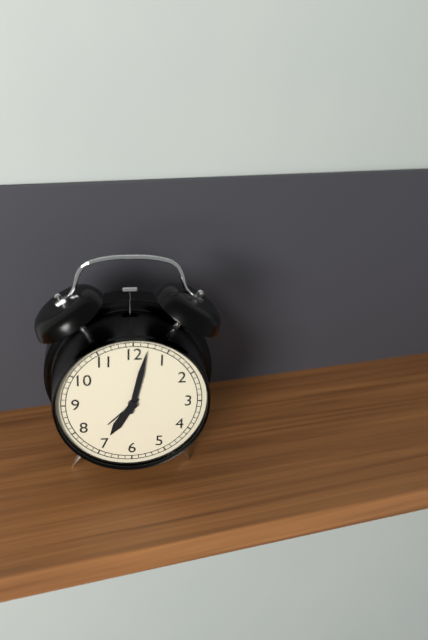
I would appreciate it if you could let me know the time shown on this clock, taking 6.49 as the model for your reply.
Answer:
7.02
